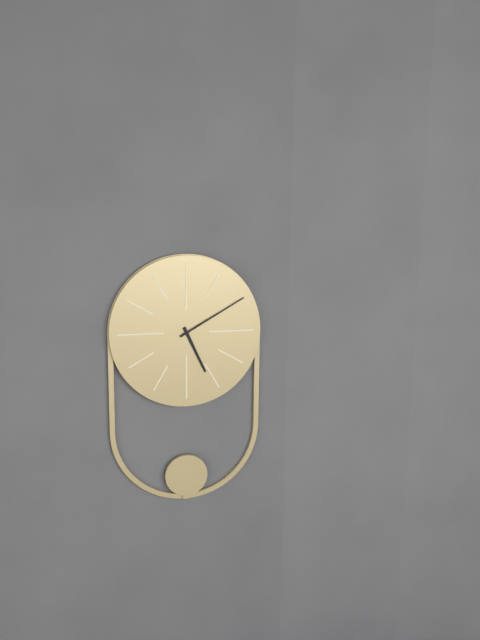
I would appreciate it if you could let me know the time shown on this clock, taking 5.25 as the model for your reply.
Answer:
5.10
